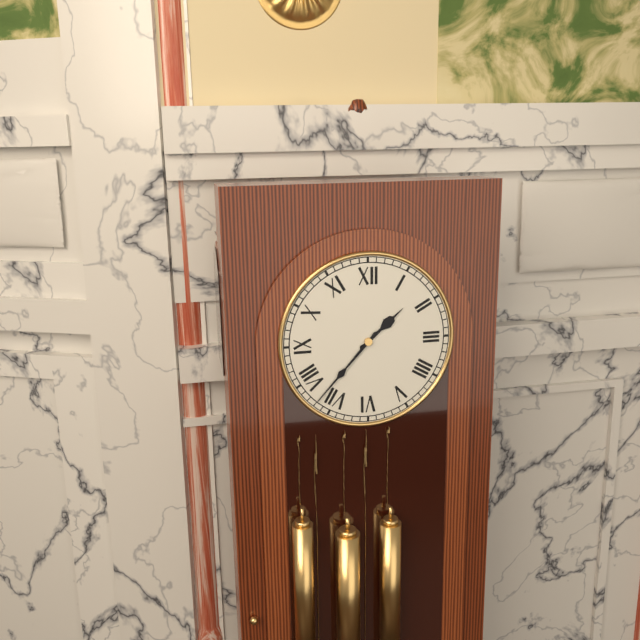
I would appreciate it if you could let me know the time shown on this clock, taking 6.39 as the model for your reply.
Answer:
1.37
